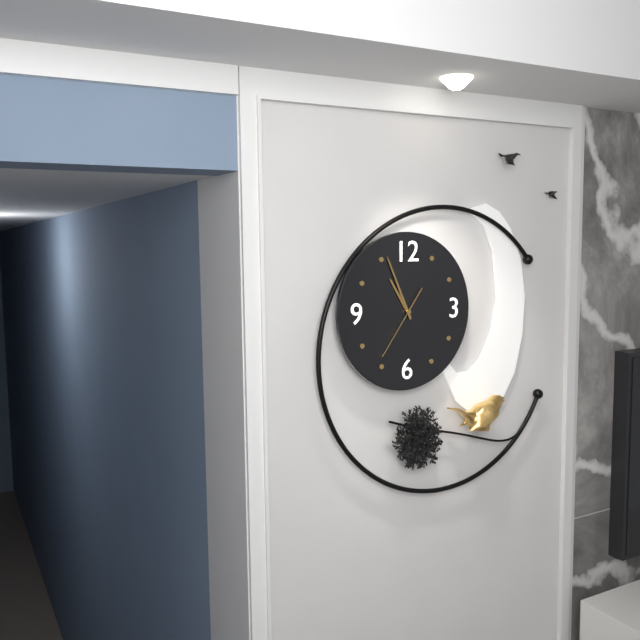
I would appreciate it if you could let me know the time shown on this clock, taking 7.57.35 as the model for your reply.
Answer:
10.56.36
